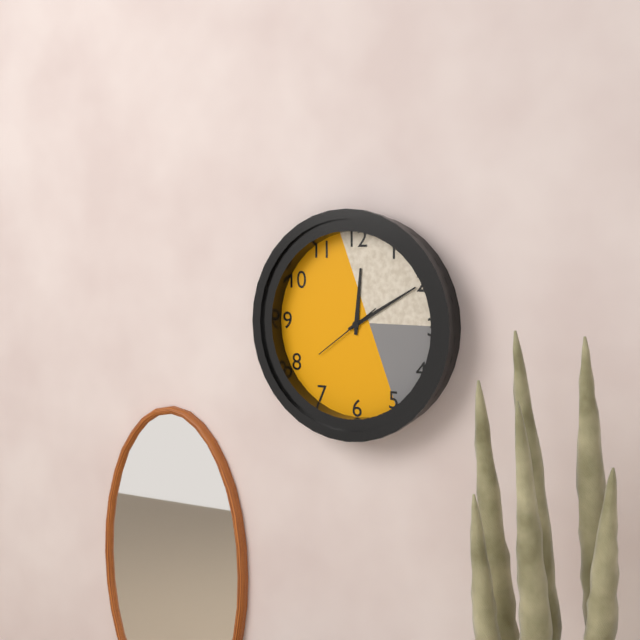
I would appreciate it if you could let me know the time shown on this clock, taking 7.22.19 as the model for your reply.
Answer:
12.10.39
